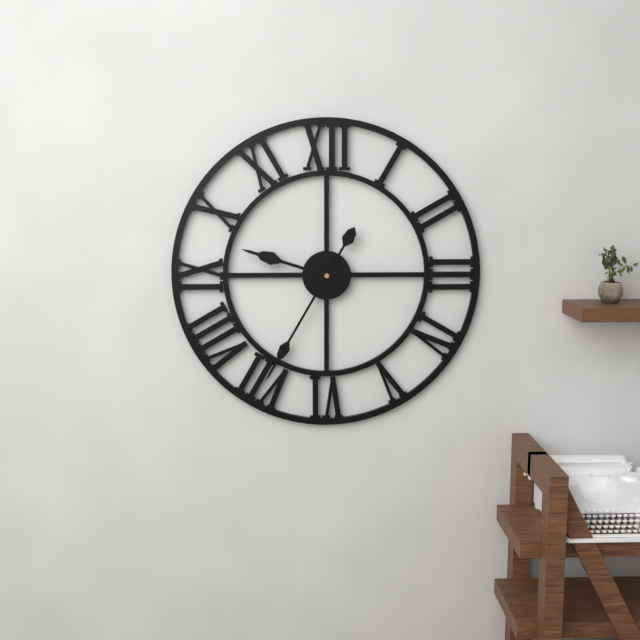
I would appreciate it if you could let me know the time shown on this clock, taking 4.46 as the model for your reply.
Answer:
9.35
